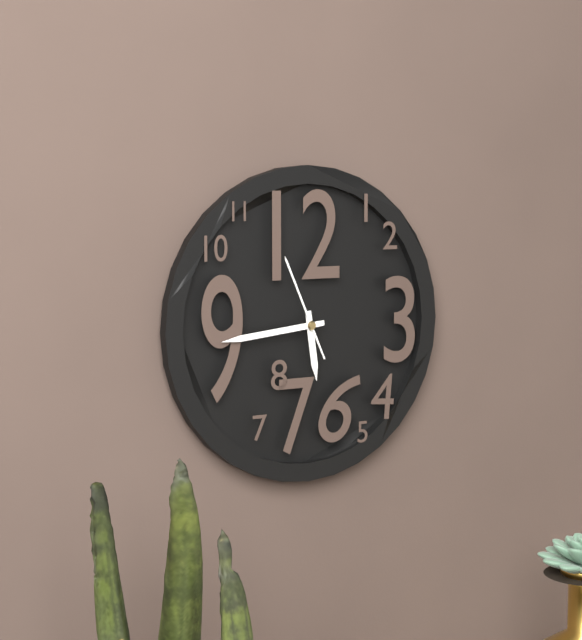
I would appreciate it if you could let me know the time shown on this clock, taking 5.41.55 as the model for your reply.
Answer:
5.44.56
